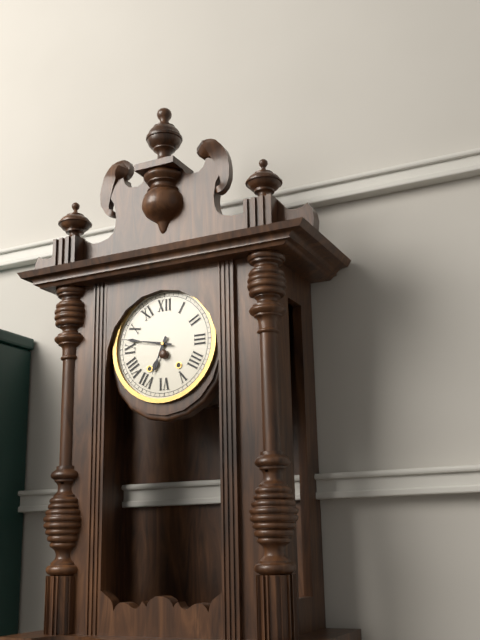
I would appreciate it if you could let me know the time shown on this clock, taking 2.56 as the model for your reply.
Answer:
6.47
